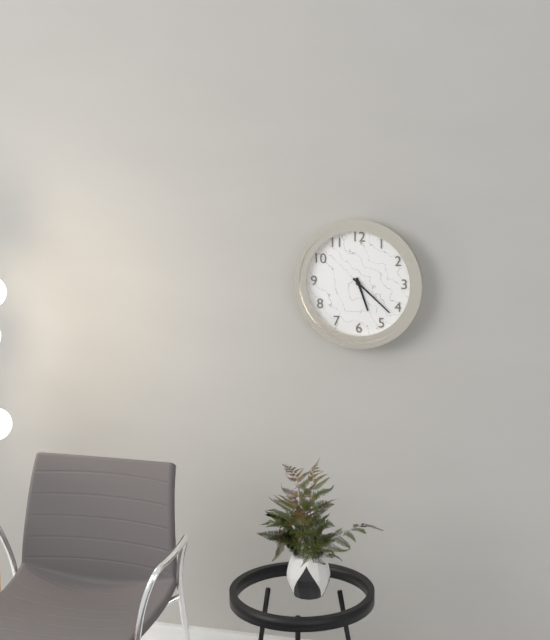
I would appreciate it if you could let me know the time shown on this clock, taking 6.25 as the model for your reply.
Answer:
5.22
